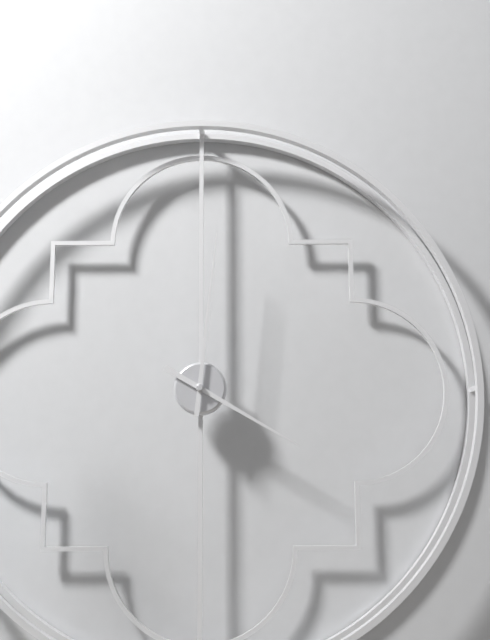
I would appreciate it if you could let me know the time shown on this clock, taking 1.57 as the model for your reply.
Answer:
4.01
